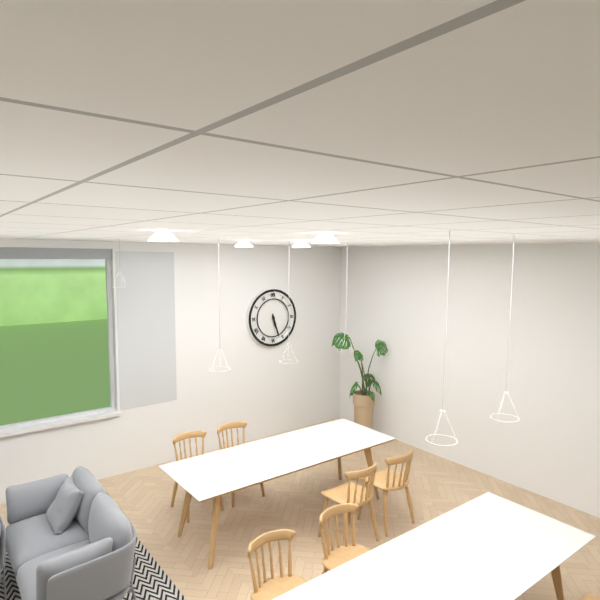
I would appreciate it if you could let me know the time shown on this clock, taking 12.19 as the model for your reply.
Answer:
5.27
